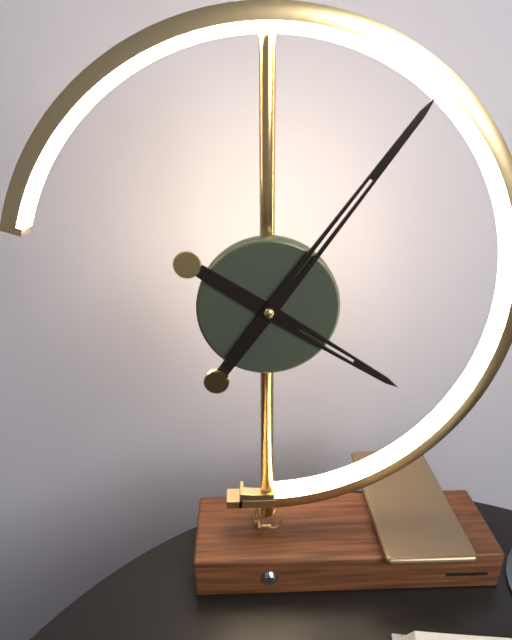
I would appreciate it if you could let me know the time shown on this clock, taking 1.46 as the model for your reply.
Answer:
4.06
